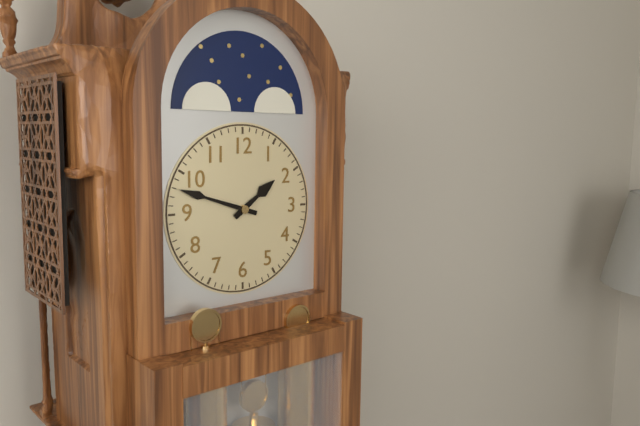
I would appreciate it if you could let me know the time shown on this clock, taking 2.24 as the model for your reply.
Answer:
1.48
